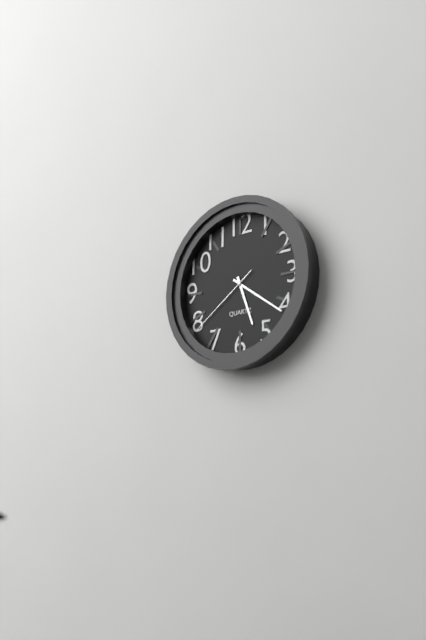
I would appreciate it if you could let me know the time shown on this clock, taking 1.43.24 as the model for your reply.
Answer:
5.21.39
